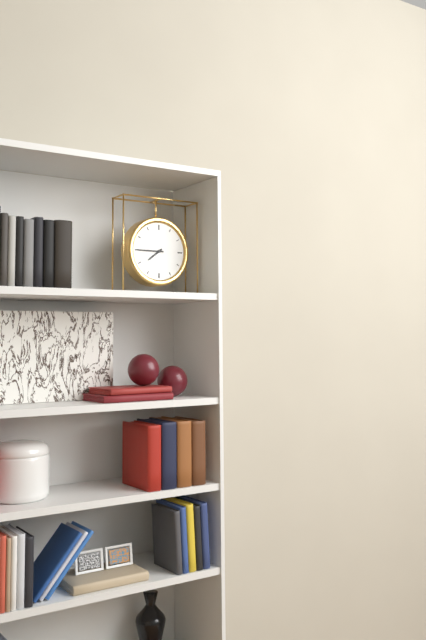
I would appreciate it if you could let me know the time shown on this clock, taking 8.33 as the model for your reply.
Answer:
7.45
